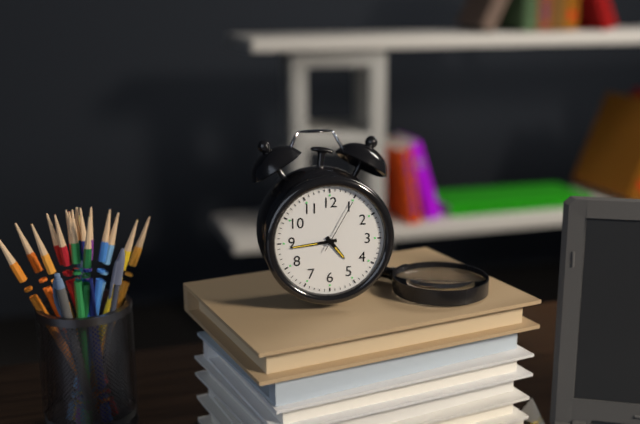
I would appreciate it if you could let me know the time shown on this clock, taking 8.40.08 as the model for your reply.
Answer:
4.44.05
